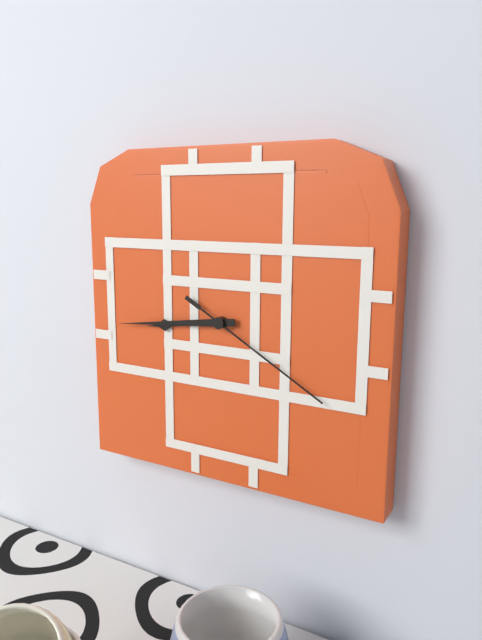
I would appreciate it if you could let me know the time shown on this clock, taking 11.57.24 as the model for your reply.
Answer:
8.44.20
